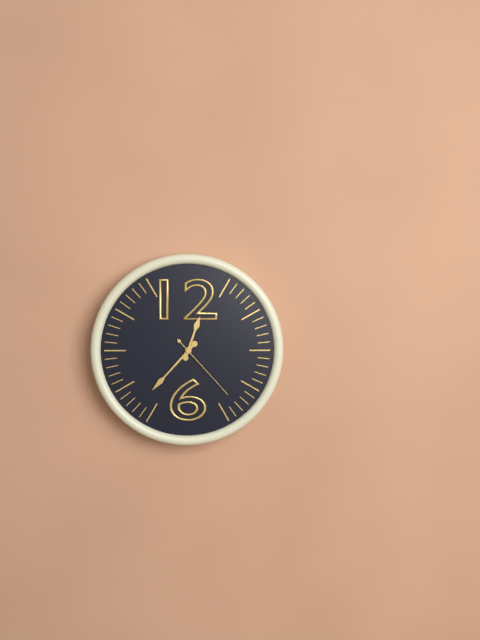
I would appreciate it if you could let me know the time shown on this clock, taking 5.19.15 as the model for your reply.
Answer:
12.37.23
